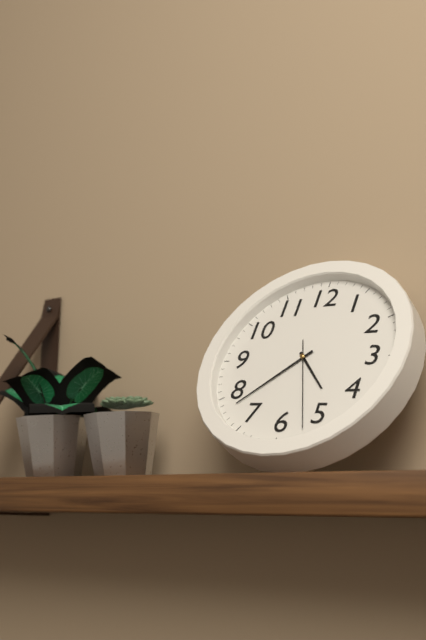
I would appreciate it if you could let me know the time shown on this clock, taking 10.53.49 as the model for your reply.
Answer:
4.38.27
